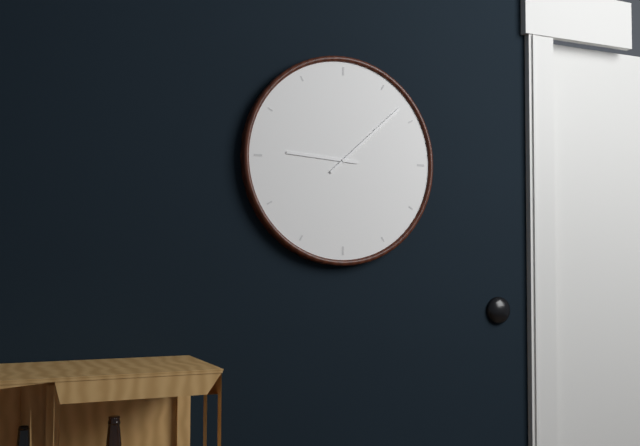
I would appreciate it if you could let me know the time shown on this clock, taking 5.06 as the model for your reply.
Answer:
9.08
